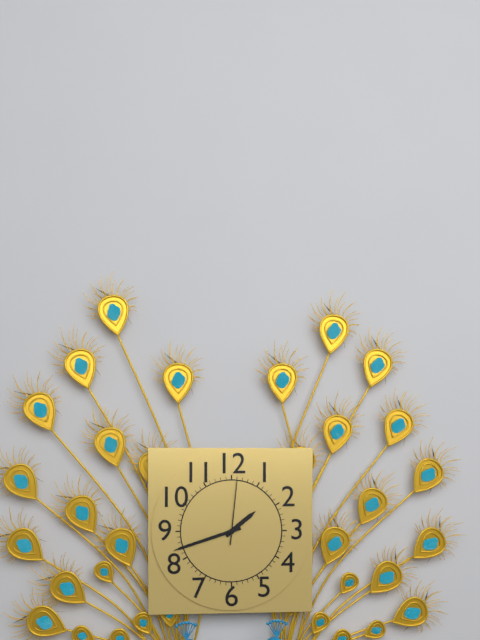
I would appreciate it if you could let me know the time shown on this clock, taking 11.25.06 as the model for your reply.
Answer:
1.42.01
